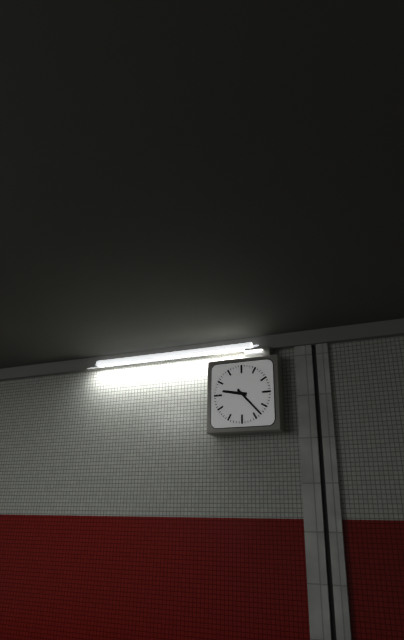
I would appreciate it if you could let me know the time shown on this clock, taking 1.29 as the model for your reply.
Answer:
9.23
